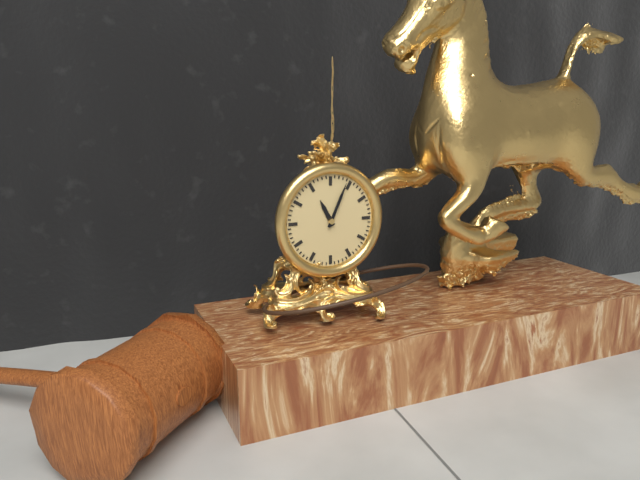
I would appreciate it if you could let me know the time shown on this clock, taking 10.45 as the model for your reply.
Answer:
11.04
